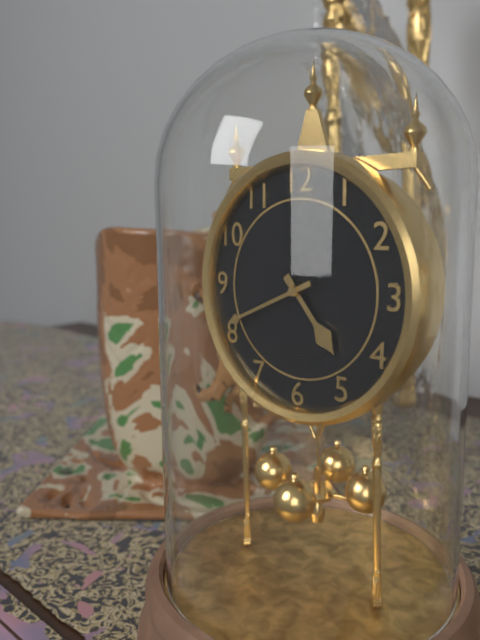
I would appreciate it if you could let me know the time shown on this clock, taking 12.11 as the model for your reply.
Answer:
4.41
